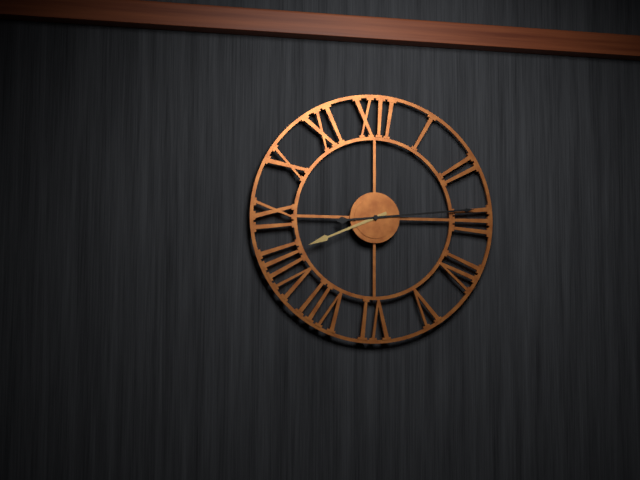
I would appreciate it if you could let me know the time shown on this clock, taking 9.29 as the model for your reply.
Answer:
8.14
